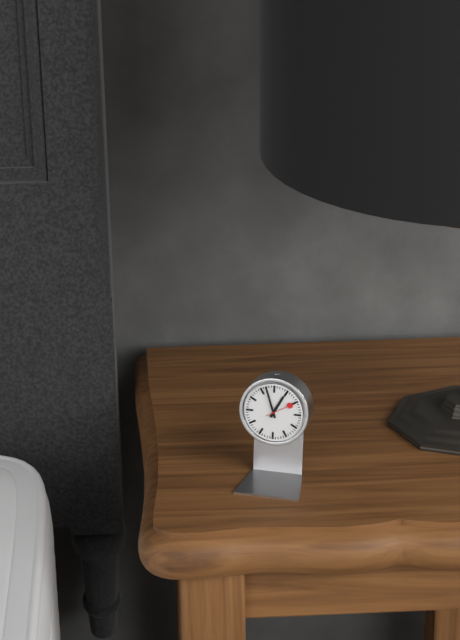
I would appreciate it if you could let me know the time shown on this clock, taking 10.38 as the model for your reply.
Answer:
12.57
